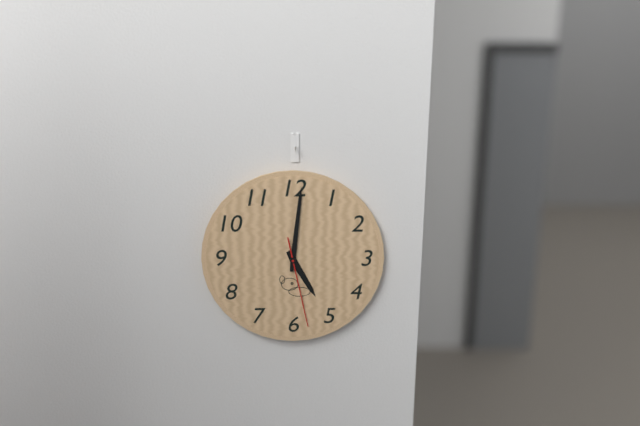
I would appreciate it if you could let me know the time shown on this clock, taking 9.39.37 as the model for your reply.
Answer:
5.01.28
